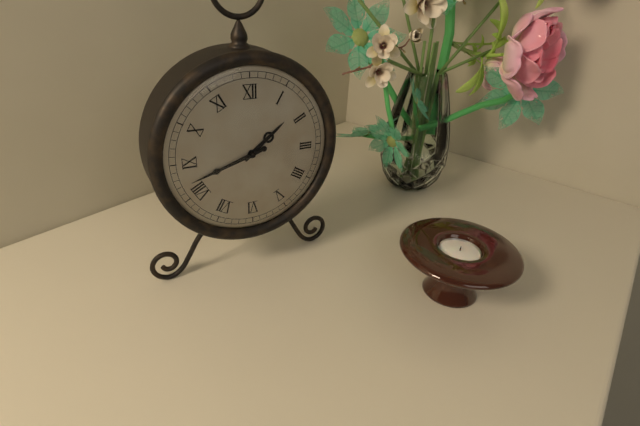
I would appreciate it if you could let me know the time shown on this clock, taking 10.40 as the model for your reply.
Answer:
1.42
